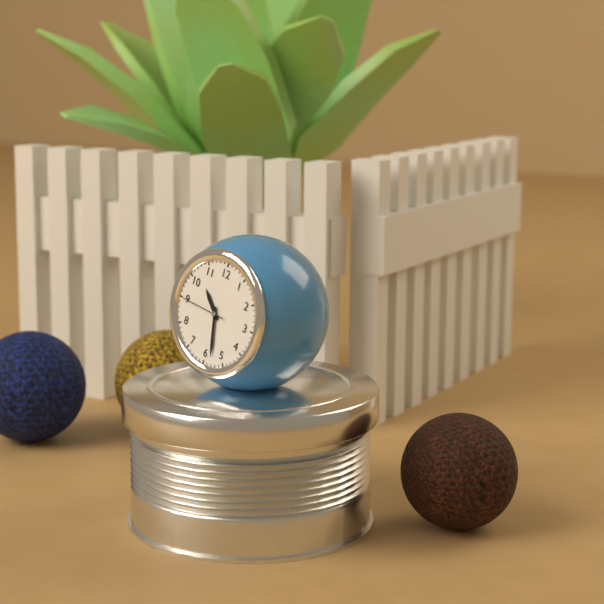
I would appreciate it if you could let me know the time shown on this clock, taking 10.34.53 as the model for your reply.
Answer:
10.28.45
